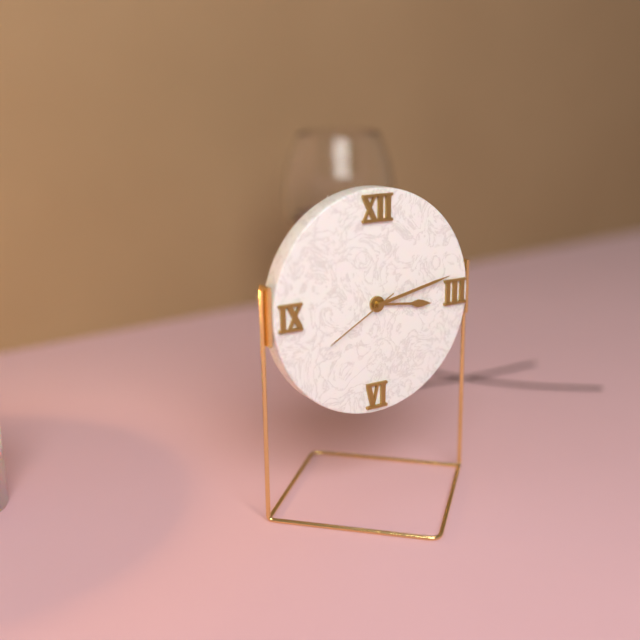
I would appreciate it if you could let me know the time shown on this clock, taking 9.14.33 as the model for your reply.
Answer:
3.13.40
